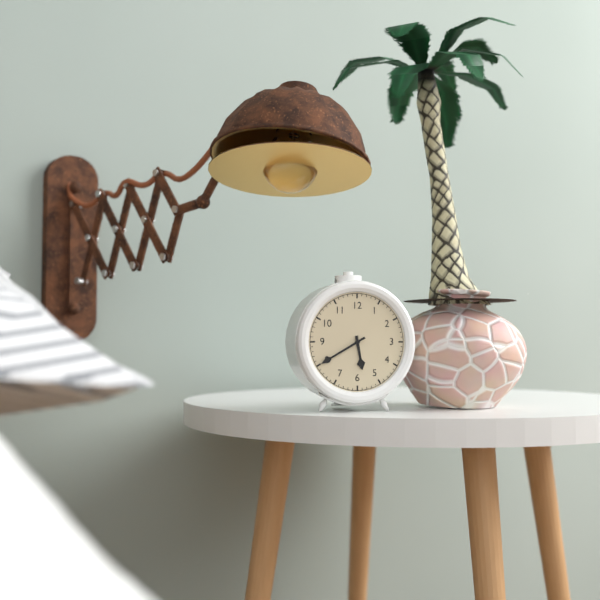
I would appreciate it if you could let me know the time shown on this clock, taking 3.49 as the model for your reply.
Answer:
5.40
